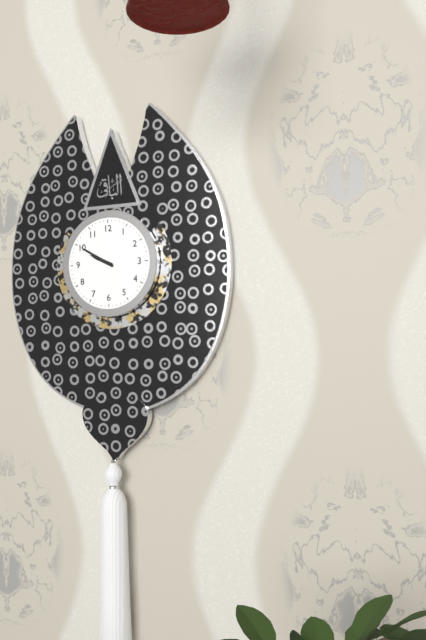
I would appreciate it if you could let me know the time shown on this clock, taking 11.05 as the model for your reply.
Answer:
9.50
